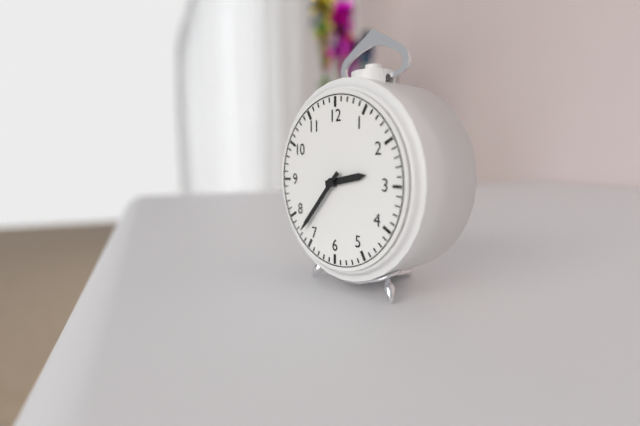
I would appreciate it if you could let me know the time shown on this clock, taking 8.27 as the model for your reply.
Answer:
2.37
